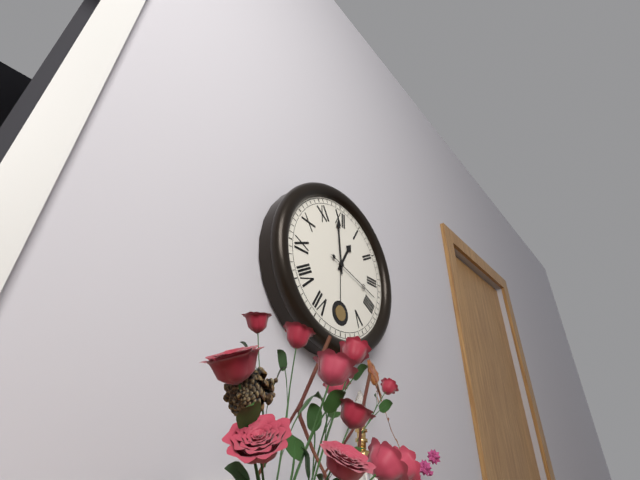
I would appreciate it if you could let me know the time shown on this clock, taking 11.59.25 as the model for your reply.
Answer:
12.59.18
